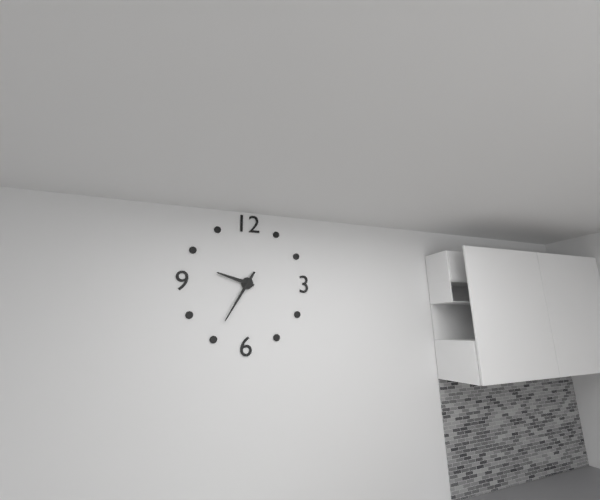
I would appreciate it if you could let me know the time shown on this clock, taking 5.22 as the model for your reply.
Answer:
9.35
